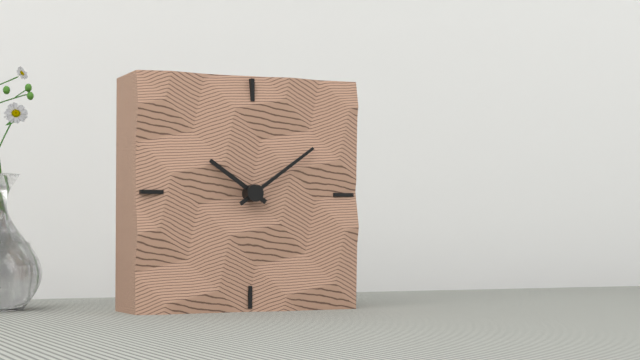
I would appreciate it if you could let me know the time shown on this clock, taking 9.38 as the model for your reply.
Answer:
10.09
